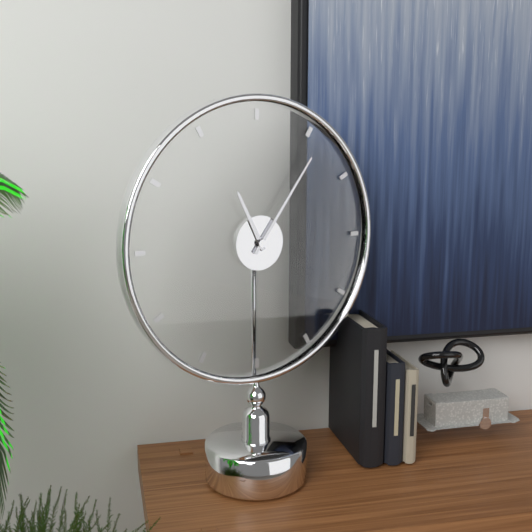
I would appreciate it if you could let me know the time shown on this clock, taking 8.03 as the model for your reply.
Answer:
11.06
